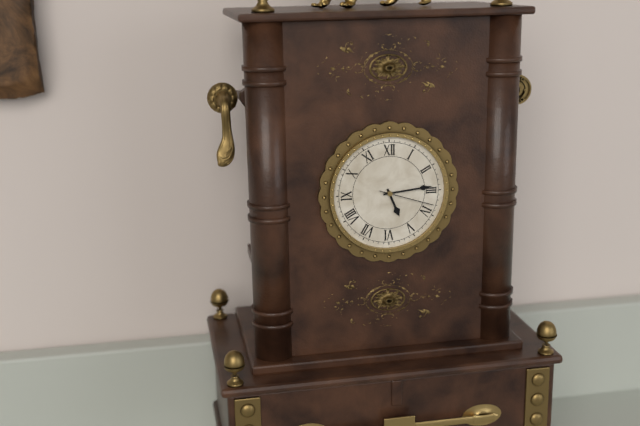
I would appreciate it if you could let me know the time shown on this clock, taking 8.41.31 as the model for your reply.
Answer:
5.14.18
